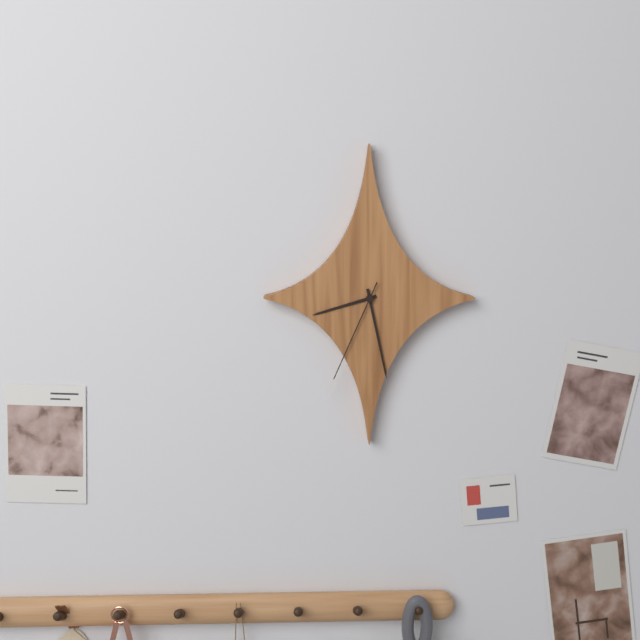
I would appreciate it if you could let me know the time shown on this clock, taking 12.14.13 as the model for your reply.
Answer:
8.28.34
